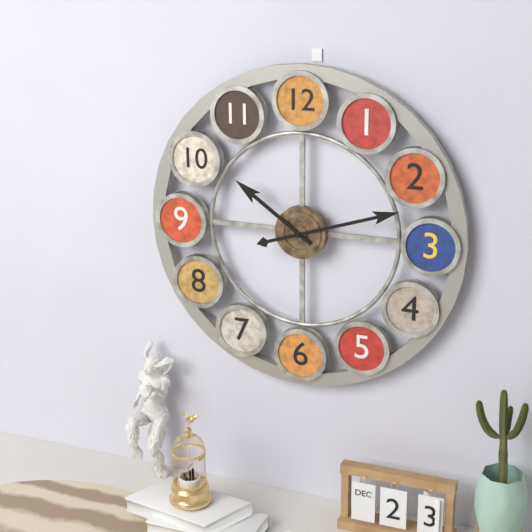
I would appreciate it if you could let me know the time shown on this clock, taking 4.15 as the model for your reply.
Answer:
10.12
